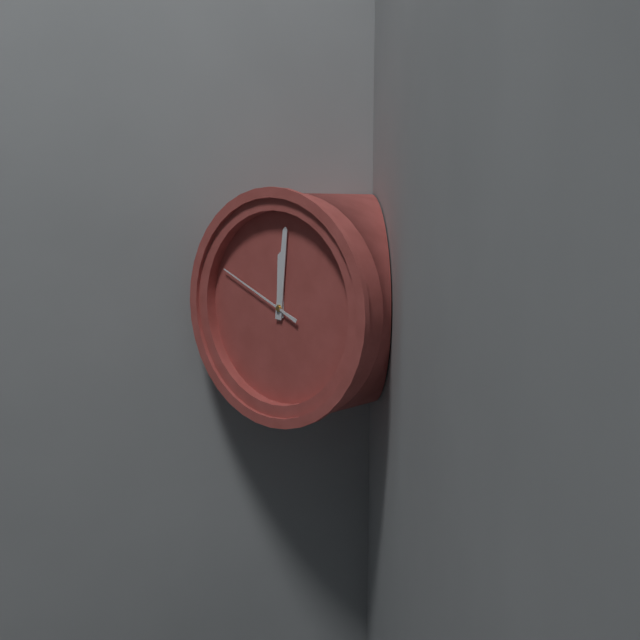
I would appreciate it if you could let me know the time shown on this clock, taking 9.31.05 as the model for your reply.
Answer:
12.01.49
